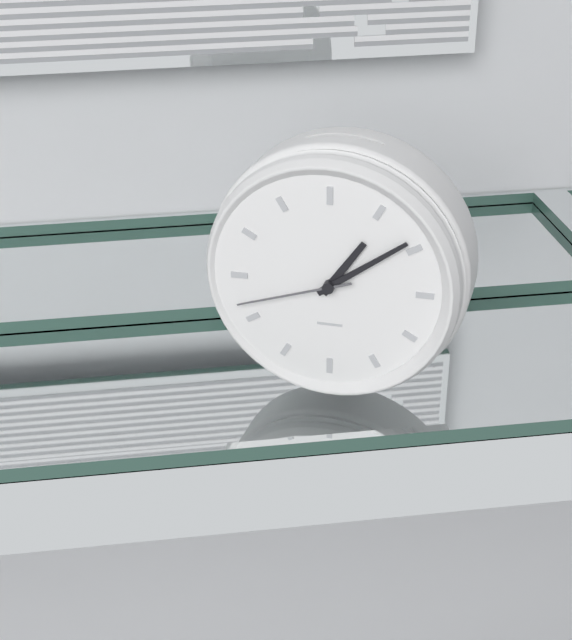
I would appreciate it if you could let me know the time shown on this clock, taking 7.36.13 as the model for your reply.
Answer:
1.09.42
